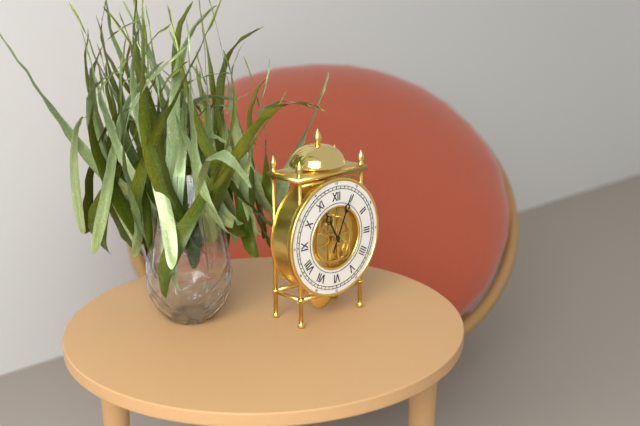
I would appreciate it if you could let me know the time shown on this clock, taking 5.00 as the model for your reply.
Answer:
11.04
